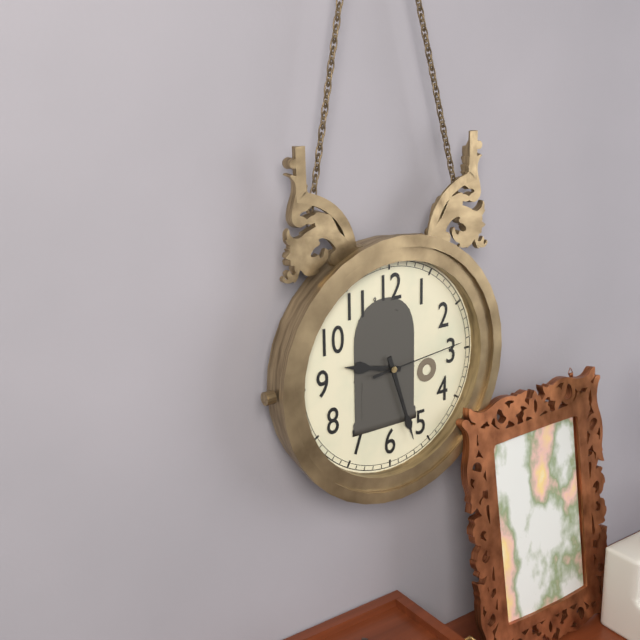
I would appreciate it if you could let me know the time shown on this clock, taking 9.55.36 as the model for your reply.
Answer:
9.27.14
